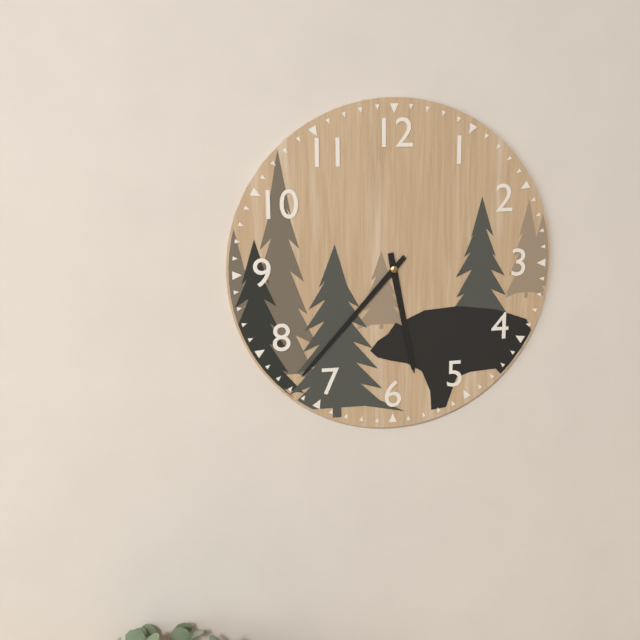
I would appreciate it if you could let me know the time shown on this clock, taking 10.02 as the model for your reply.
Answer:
5.37
